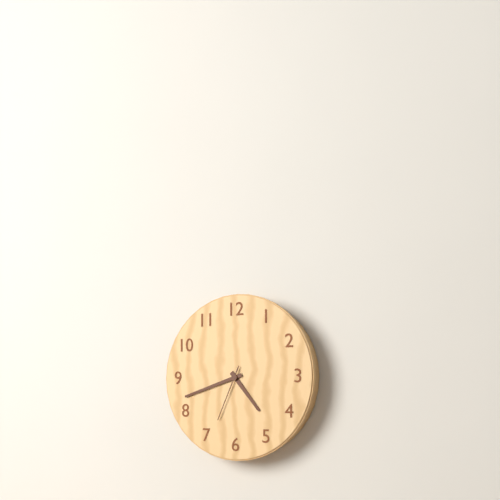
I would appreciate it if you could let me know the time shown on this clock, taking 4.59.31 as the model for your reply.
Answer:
4.42.34
